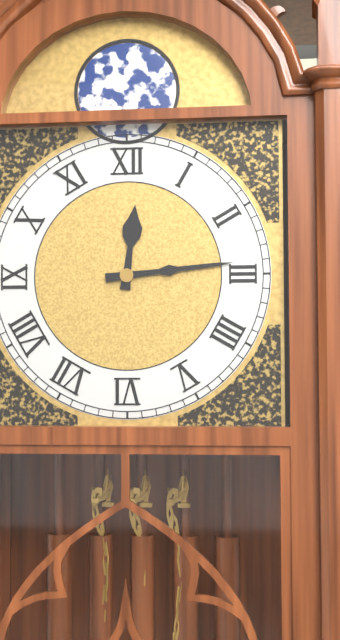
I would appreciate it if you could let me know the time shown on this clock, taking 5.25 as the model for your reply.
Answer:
12.14
